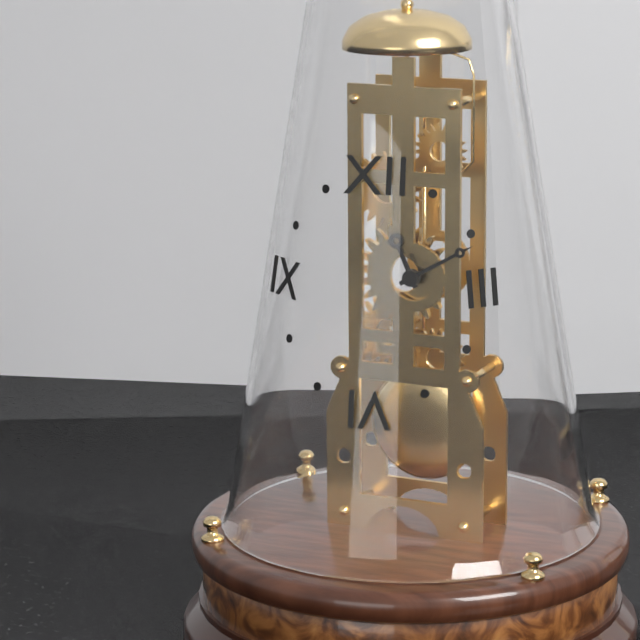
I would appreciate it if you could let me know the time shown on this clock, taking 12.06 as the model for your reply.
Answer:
11.10
